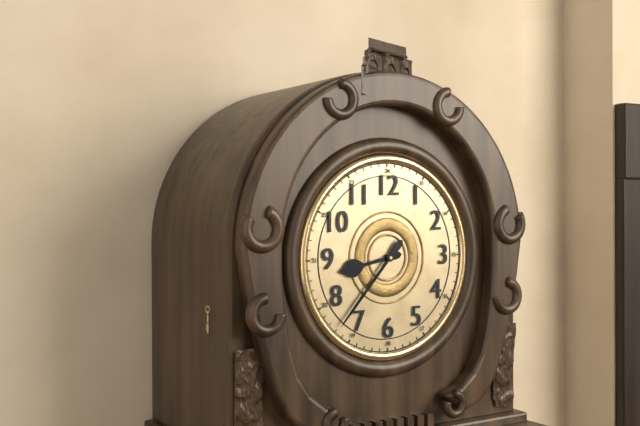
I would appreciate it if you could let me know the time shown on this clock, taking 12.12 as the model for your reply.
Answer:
8.37
